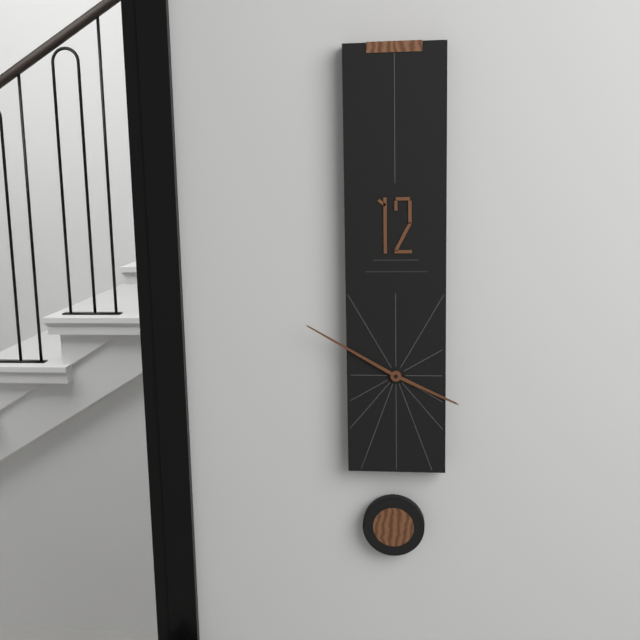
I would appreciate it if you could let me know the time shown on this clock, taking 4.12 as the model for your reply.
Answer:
3.50
